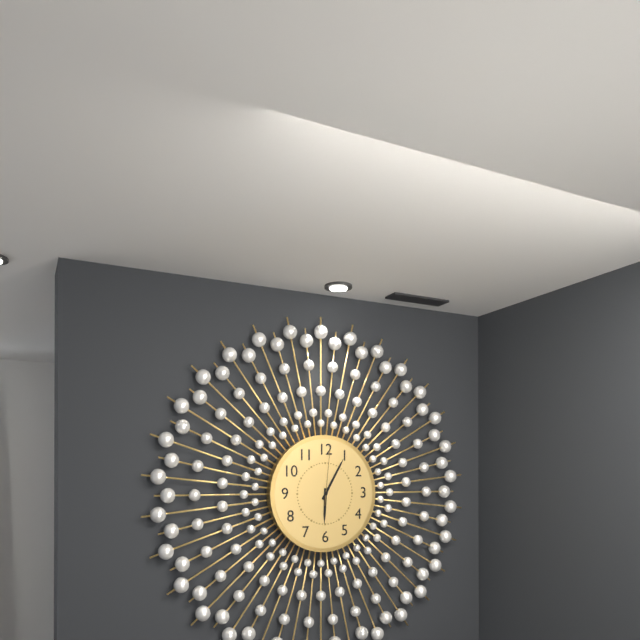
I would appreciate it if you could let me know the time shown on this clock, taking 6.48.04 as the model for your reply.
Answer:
6.05.01
